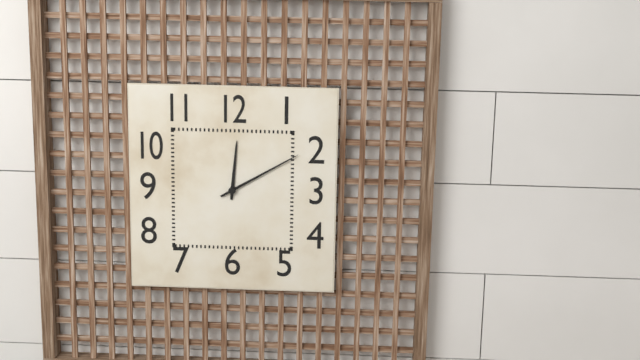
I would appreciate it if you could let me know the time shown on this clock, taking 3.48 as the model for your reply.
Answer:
12.10
